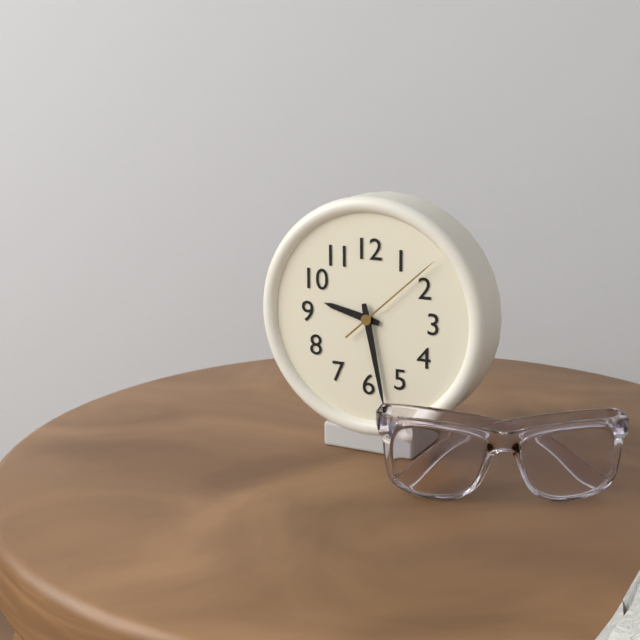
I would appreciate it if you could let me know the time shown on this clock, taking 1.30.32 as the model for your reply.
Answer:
9.28.08
